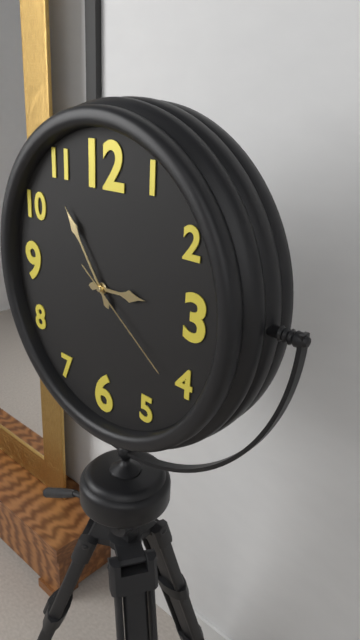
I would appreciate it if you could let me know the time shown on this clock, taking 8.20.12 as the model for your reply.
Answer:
2.54.21
